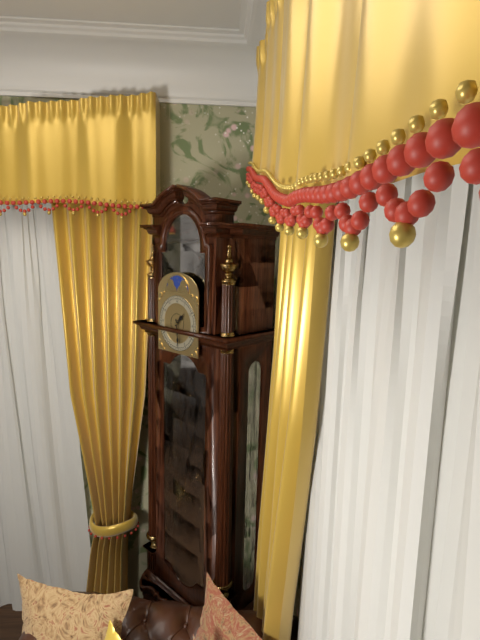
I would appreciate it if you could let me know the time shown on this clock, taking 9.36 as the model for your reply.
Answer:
1.29
